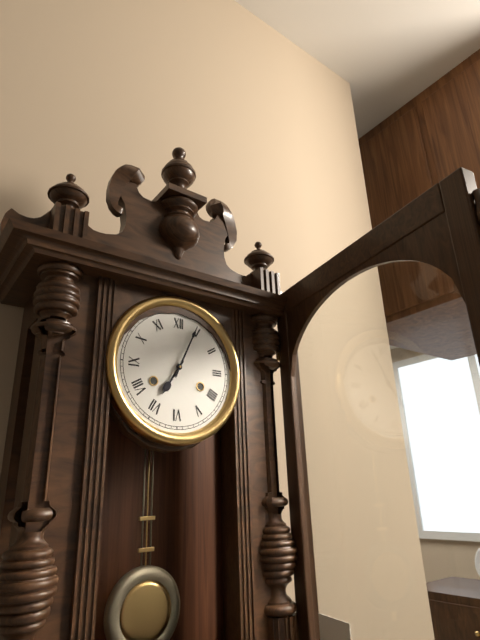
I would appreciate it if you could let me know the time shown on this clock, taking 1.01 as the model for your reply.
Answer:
7.04
